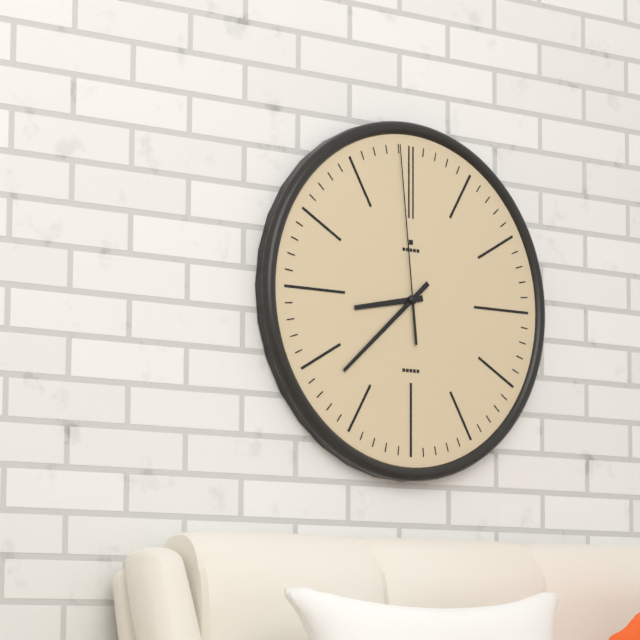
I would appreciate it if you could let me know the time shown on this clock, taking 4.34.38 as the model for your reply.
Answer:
8.38.59
